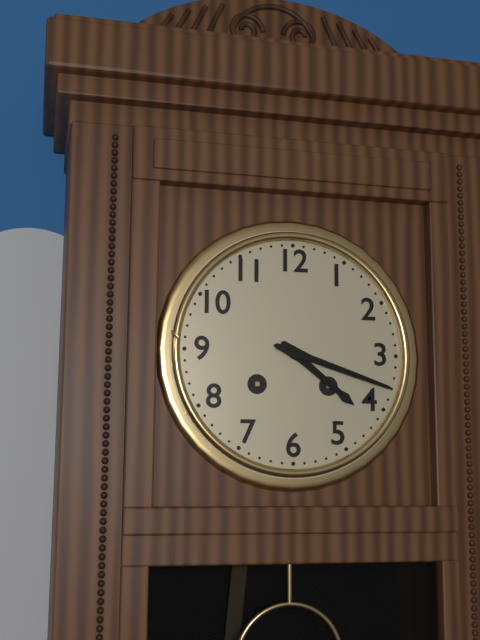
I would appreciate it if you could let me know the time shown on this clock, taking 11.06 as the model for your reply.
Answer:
4.18
